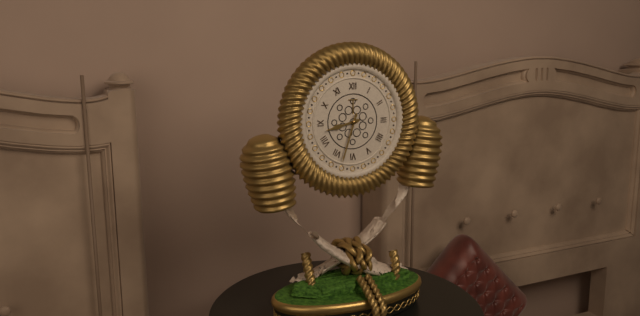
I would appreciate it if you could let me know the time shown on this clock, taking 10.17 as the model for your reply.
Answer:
8.33
